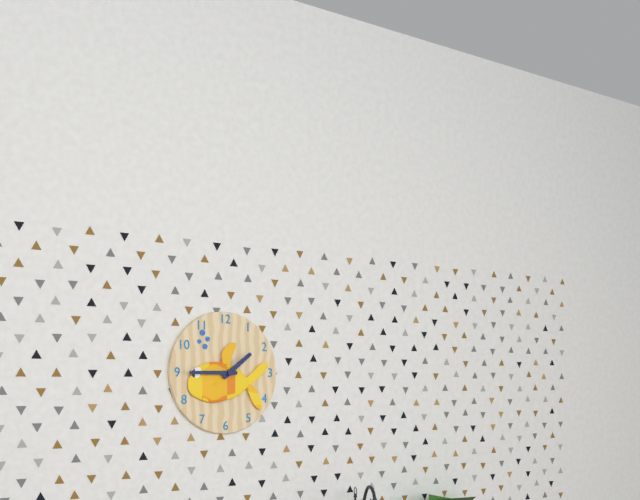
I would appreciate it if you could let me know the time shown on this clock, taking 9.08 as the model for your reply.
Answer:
1.45
